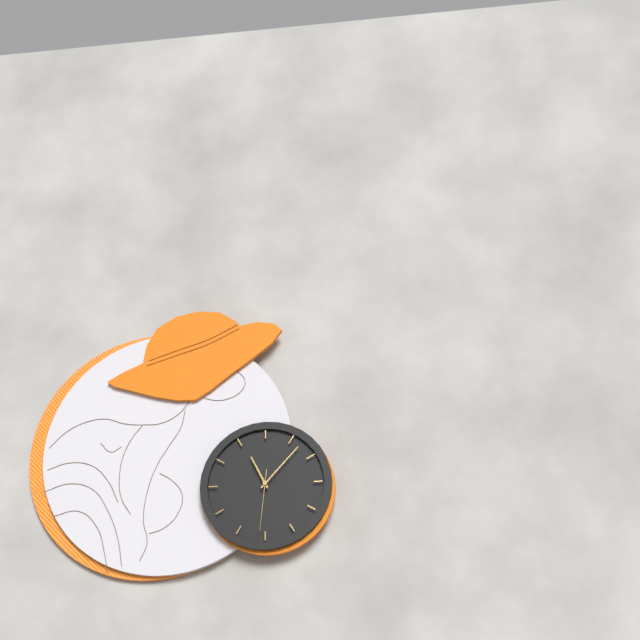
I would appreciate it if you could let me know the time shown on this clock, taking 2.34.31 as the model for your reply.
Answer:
11.07.31
